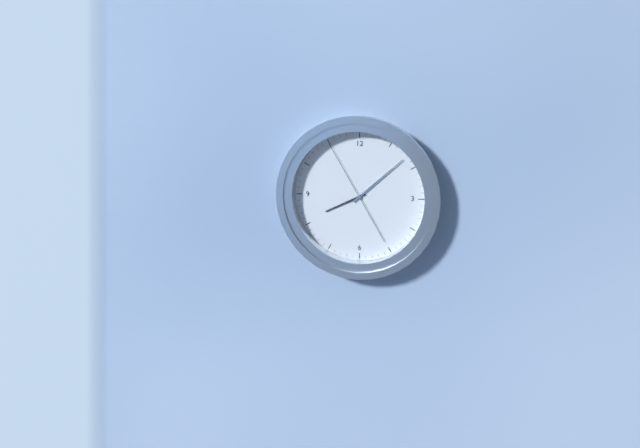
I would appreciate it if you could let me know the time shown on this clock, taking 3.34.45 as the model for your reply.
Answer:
8.08.55
